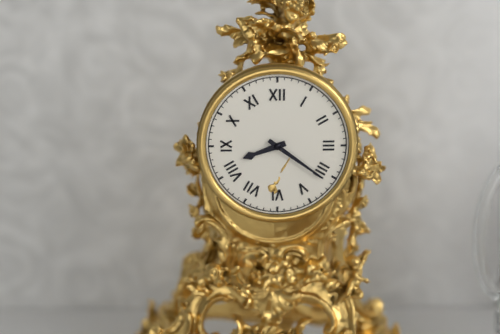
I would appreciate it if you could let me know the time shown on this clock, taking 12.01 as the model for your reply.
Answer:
8.21
